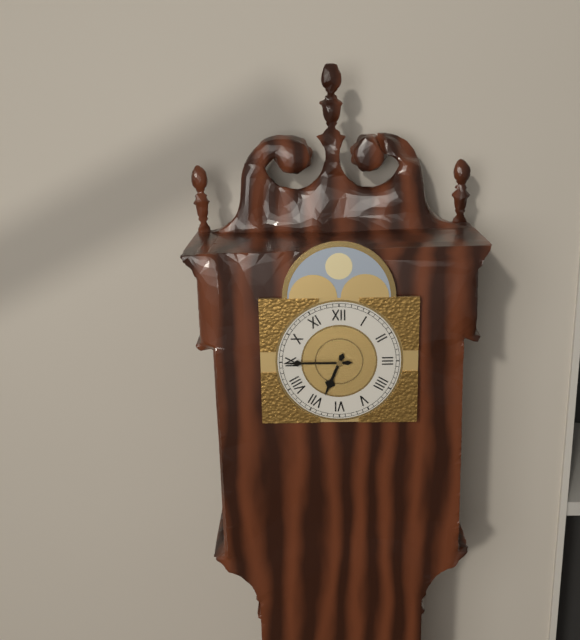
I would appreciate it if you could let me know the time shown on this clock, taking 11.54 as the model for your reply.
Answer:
6.45
